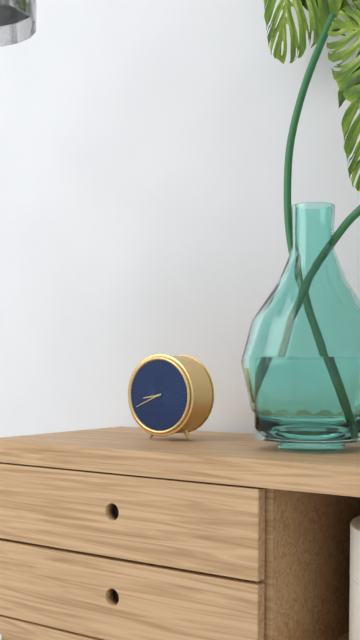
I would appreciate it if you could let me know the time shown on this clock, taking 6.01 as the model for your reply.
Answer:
8.41
